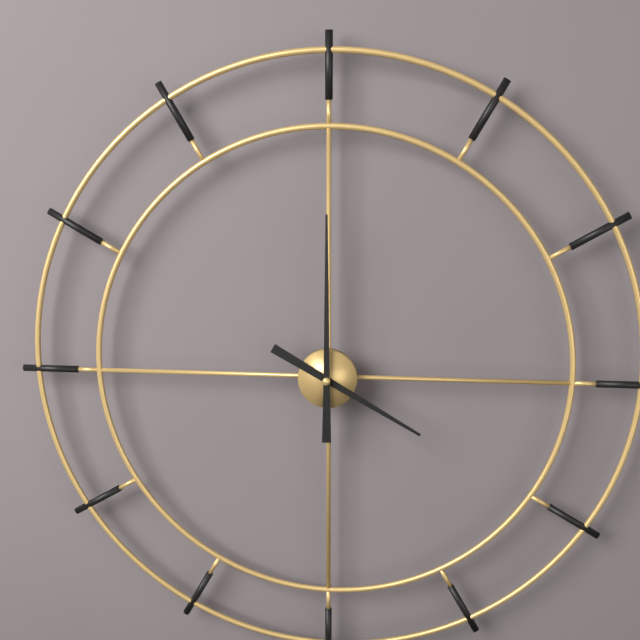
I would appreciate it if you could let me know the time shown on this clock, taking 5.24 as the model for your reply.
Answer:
4.00
